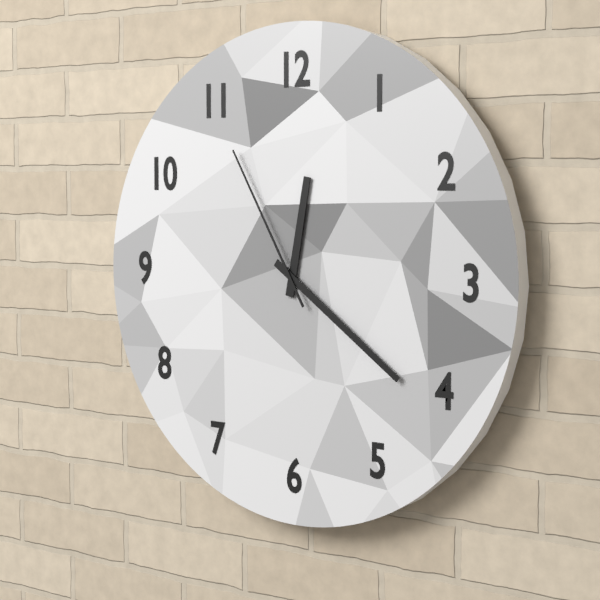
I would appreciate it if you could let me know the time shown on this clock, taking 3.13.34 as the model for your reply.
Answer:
12.21.55
